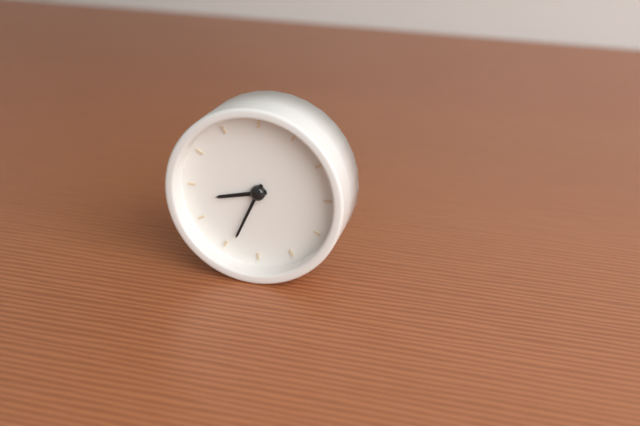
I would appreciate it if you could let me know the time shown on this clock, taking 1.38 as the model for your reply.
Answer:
8.34
